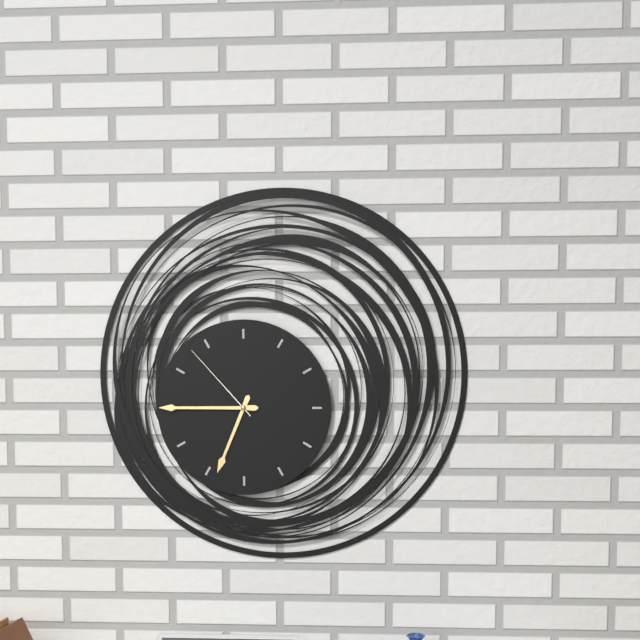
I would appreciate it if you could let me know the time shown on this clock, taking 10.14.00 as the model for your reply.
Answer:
6.45.53
